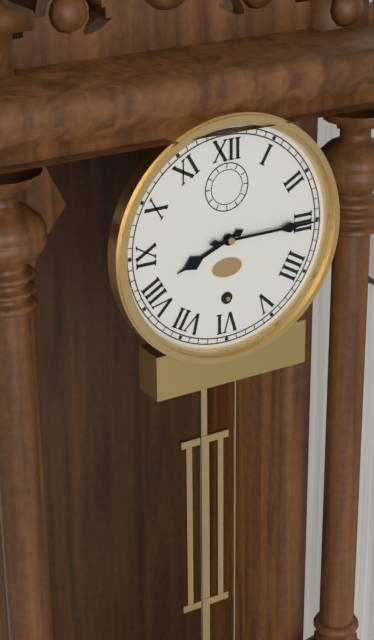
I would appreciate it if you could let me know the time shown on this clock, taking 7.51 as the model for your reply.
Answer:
8.15
